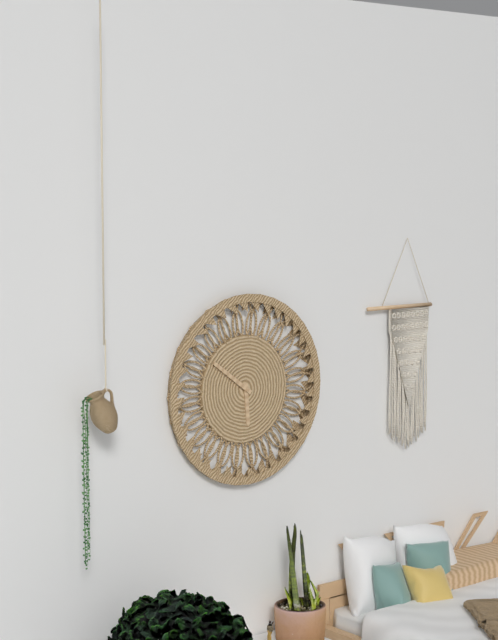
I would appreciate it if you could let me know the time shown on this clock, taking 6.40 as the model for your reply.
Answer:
5.51
